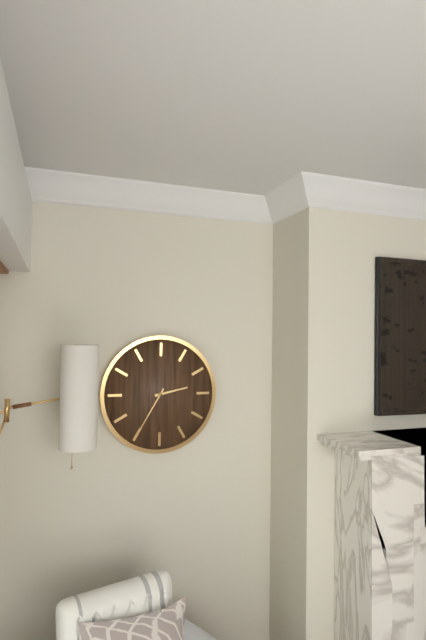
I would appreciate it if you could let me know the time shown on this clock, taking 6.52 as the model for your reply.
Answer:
2.35
